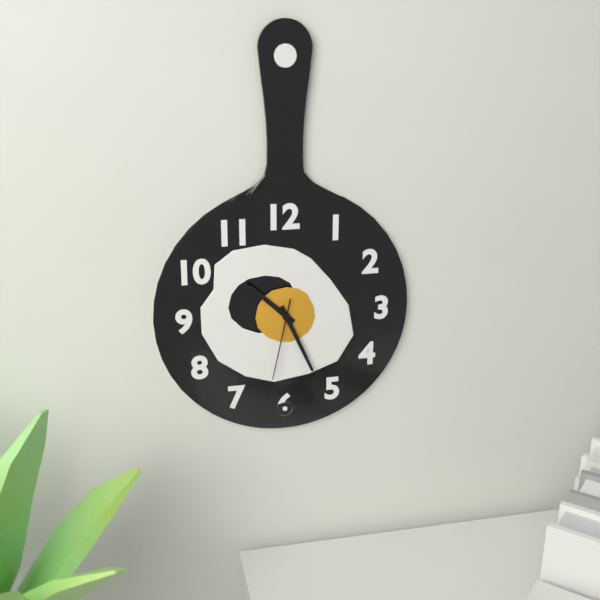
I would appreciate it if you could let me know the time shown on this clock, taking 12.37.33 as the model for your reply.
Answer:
10.26.32
